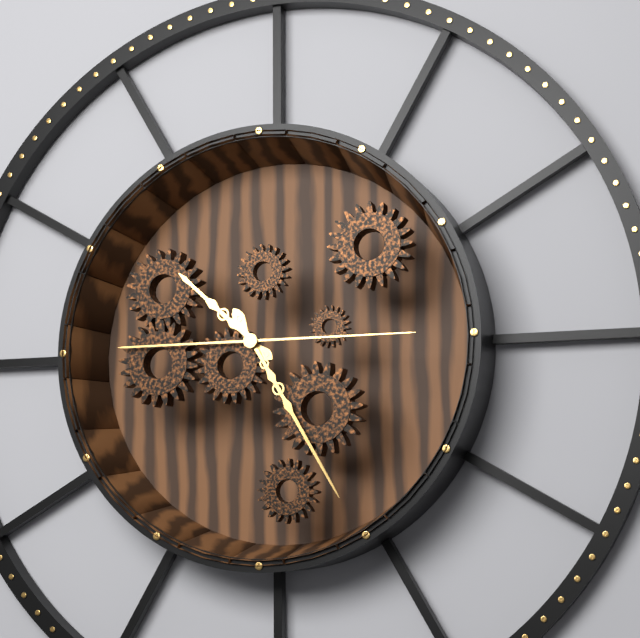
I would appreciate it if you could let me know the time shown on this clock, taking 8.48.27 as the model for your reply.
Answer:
10.25.15
